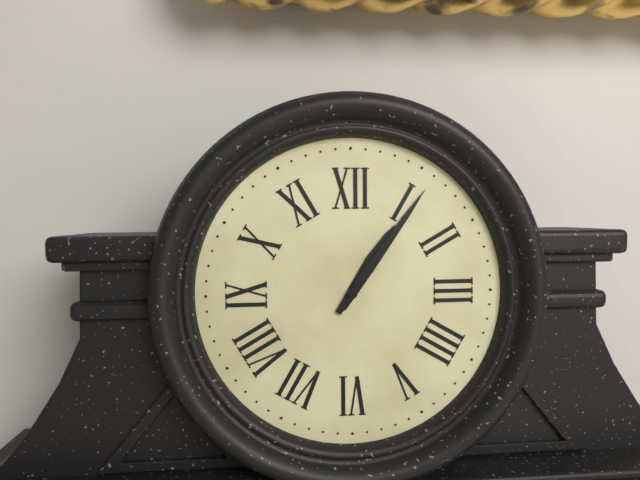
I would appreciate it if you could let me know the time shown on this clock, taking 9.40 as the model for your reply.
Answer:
1.06
